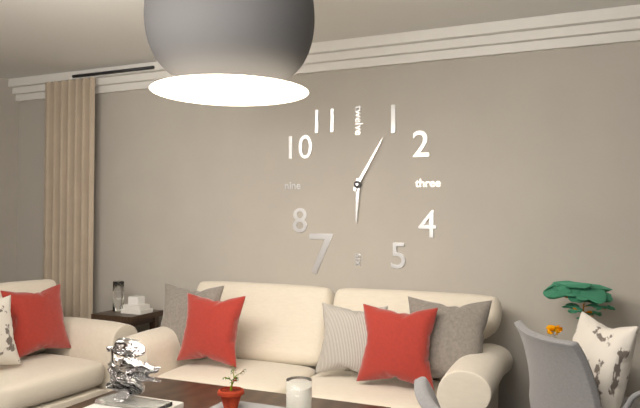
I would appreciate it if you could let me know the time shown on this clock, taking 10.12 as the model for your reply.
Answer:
6.05
